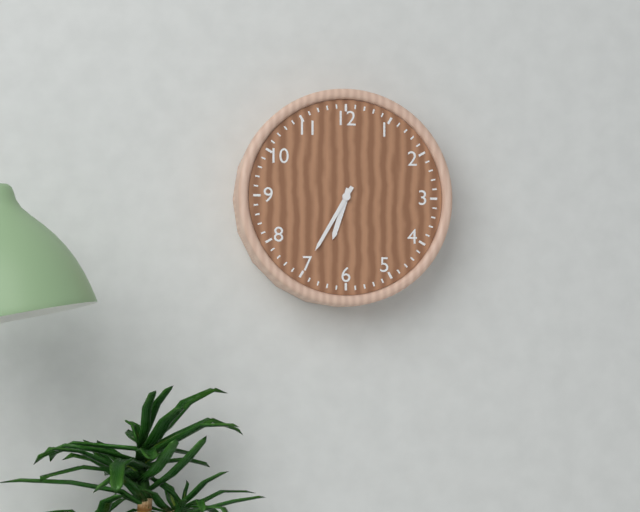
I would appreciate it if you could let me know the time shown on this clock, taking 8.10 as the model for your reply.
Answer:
6.35
